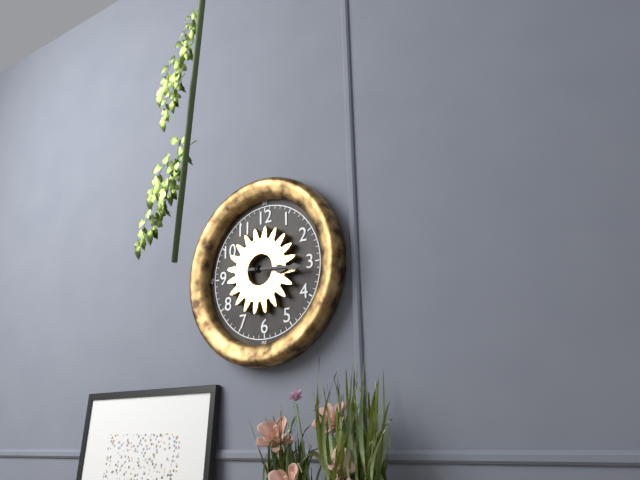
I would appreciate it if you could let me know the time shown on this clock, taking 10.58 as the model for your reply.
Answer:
3.16
